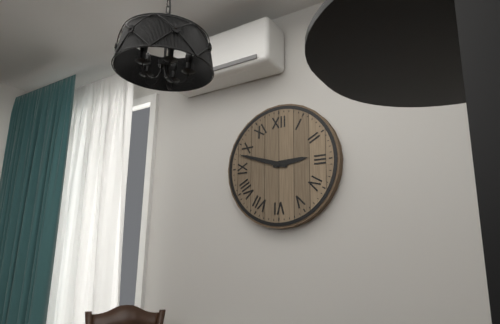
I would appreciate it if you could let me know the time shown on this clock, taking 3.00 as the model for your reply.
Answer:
2.48
